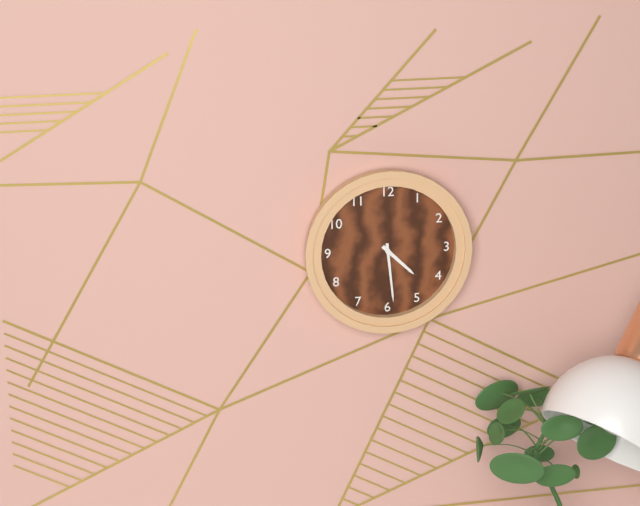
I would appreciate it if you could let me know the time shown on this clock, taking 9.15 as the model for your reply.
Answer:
4.29
